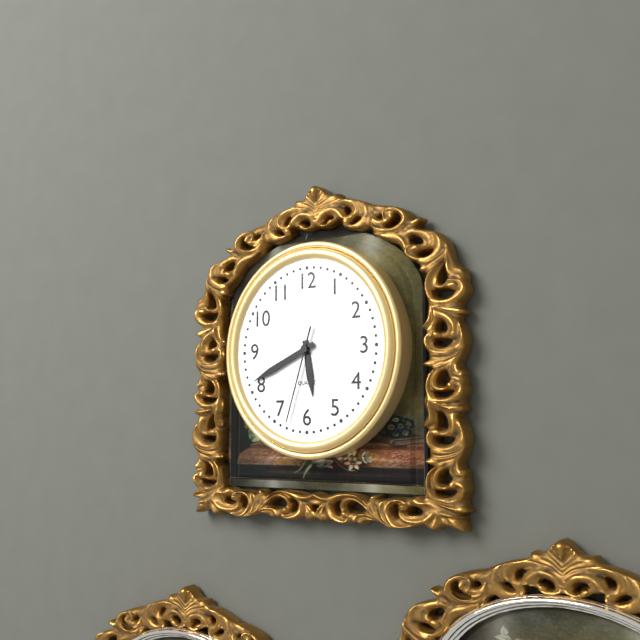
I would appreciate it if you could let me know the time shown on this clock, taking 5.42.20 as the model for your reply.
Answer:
5.41.33
